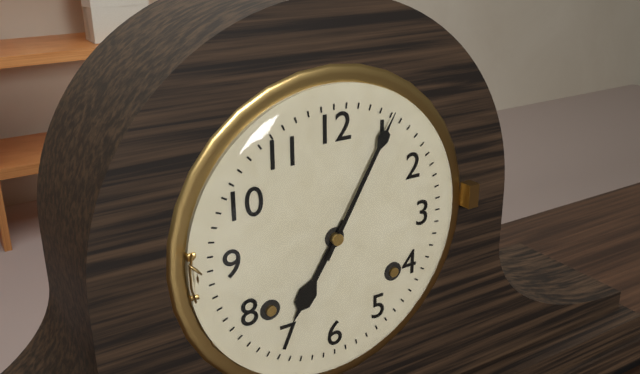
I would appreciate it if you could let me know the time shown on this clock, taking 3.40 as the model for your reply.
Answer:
7.05
